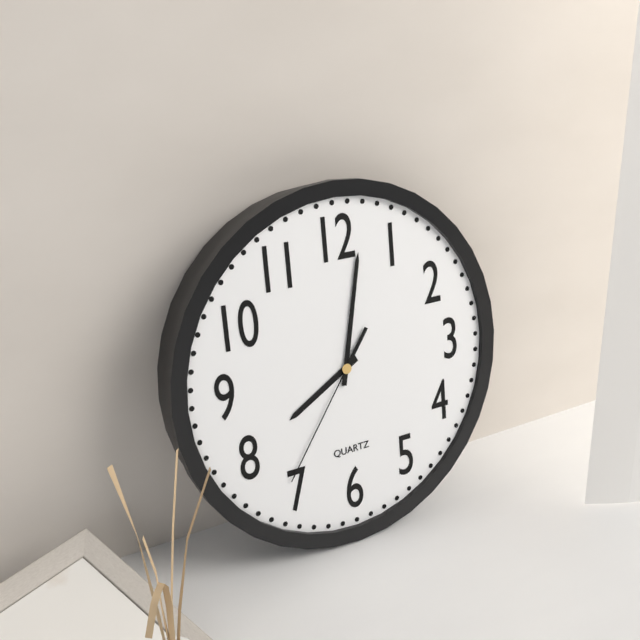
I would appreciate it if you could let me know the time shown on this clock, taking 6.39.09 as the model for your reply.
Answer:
8.02.36
